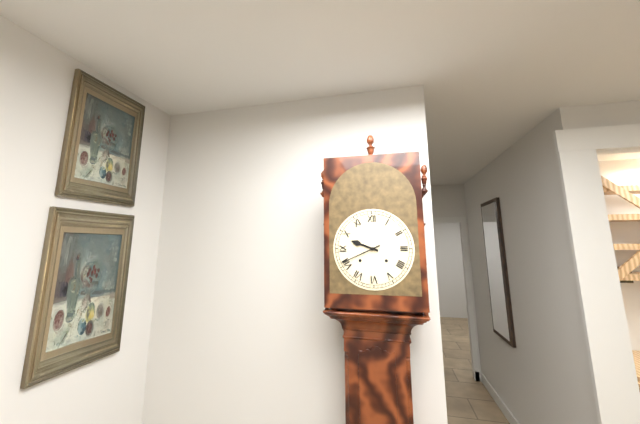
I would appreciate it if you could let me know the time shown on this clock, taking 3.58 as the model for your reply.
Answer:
9.41
